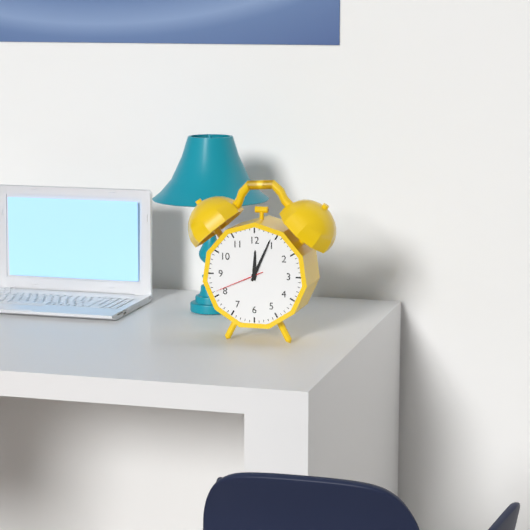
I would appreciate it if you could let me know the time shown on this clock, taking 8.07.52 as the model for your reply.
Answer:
12.04.41
